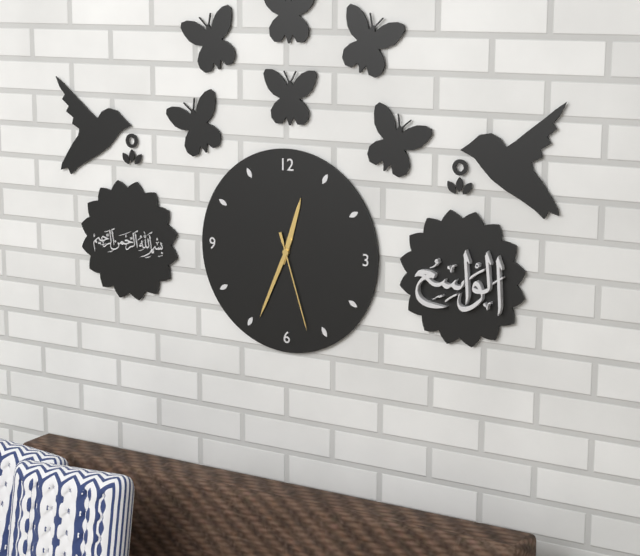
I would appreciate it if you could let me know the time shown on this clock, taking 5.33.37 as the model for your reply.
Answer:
12.34.27
